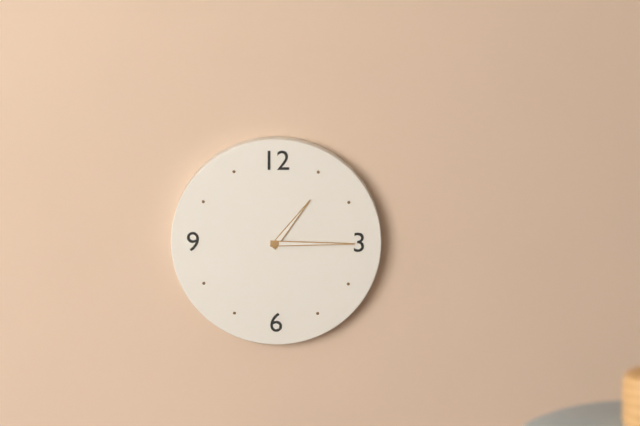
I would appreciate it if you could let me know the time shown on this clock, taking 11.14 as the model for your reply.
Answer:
1.15
